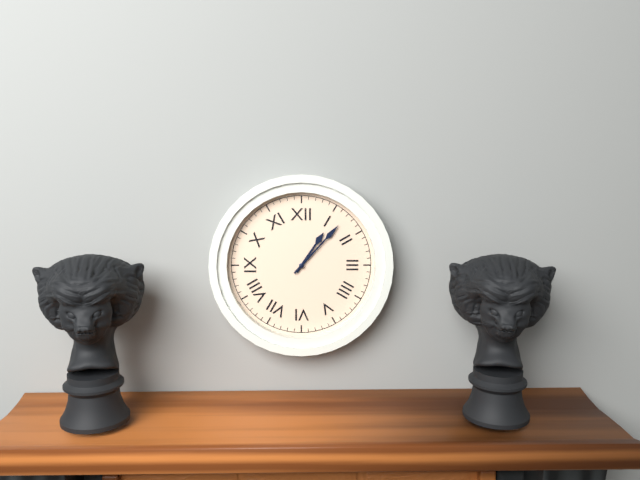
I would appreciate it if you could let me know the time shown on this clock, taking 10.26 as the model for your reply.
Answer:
1.07
